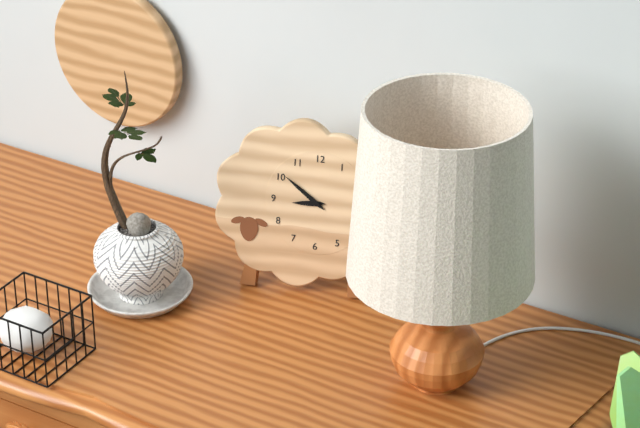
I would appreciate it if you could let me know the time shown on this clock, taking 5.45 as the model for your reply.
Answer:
8.51
